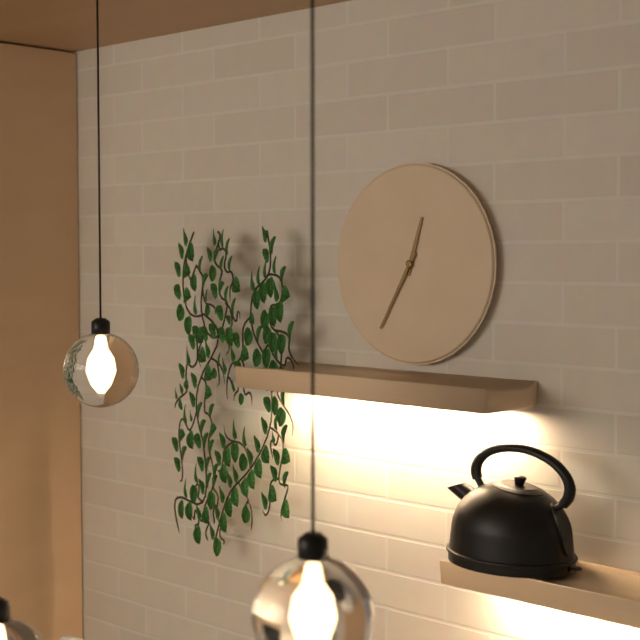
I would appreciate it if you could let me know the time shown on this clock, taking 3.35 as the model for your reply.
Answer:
12.35
